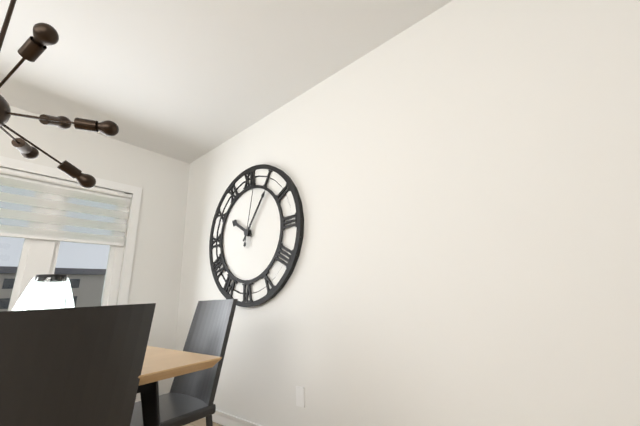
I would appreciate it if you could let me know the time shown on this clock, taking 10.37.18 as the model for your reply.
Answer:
10.06.02
